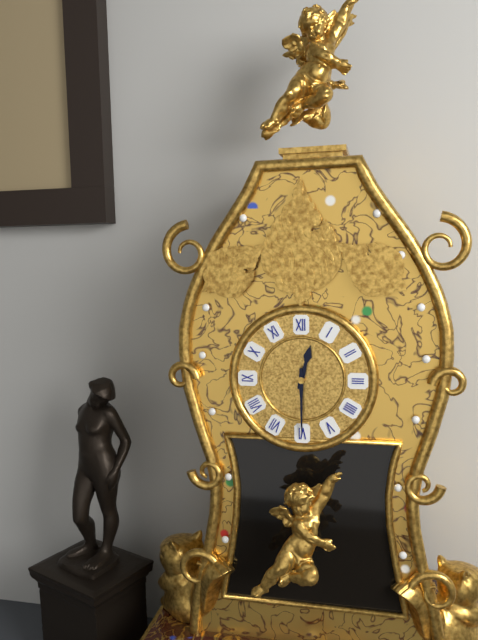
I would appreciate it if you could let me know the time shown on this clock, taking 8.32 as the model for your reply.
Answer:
12.30
